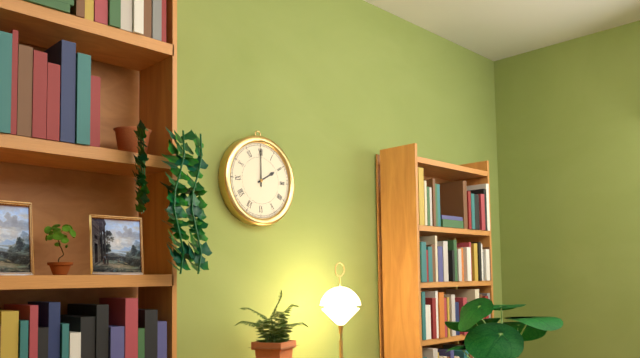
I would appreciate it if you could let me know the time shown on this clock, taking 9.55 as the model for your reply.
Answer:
2.00
